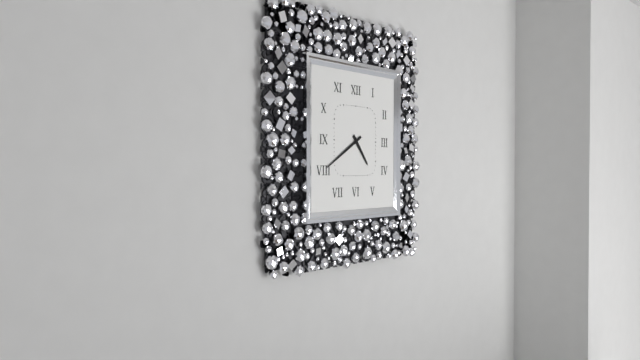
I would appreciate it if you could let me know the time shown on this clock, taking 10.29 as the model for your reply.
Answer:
4.40
